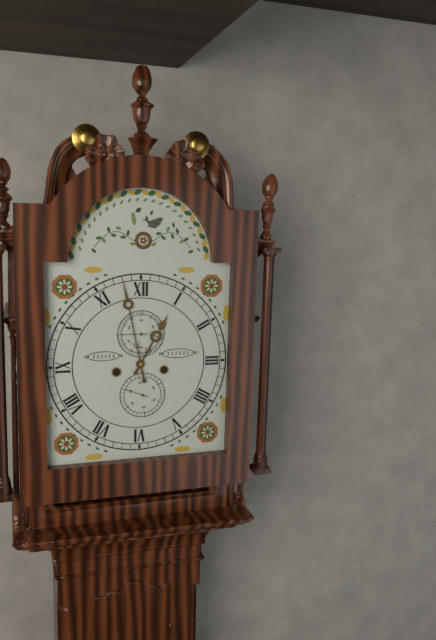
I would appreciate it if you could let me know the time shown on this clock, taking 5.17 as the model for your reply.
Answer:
12.58
